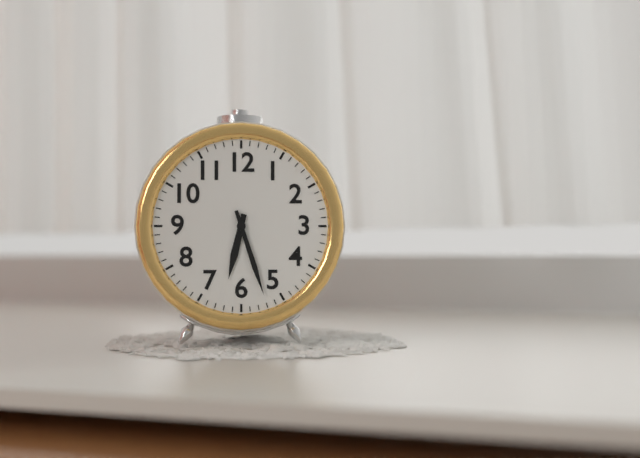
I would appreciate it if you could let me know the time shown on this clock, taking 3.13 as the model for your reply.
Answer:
6.27
